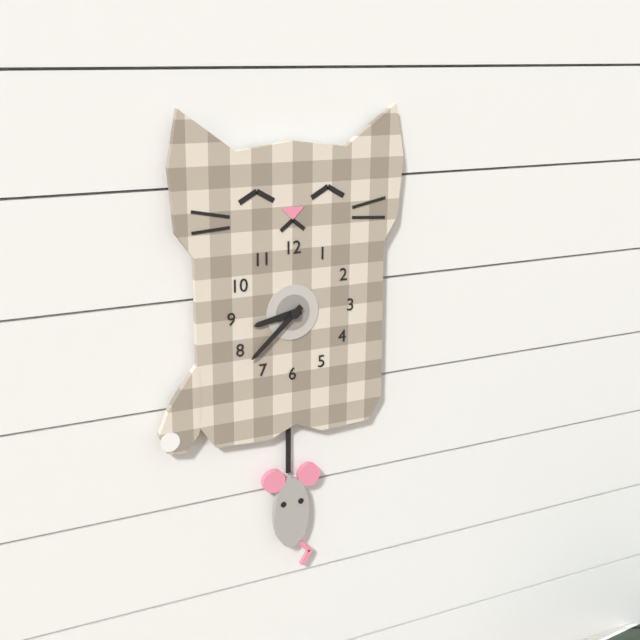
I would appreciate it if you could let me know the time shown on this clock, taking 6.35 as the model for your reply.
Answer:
8.38
